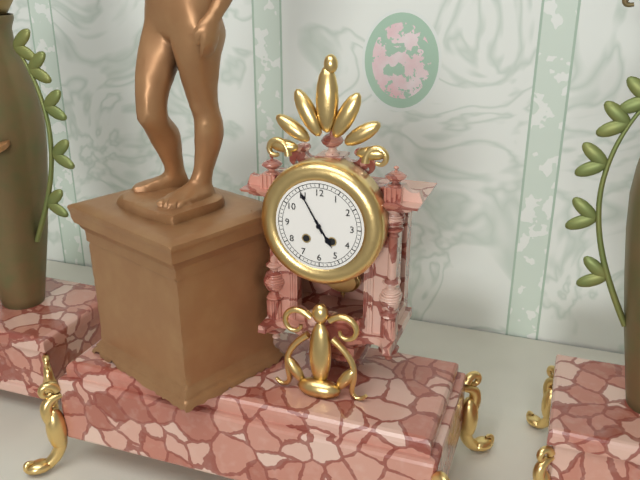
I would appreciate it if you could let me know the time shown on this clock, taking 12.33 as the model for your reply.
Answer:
4.55
